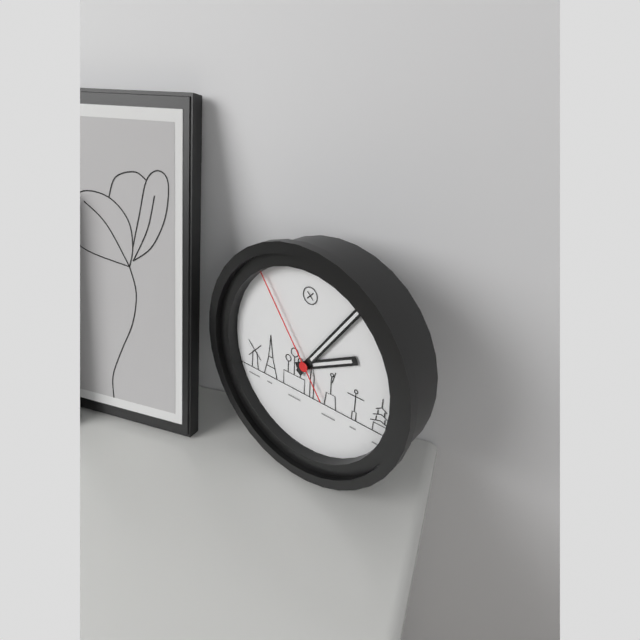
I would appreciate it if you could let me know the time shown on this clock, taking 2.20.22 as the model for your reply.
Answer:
2.06.54
